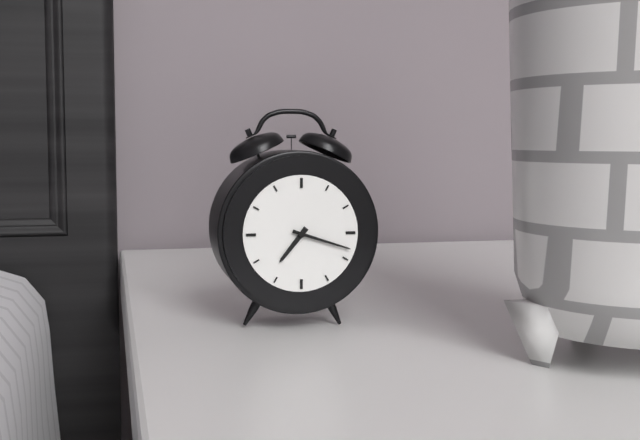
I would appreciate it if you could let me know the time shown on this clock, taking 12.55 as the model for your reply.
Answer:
7.18
